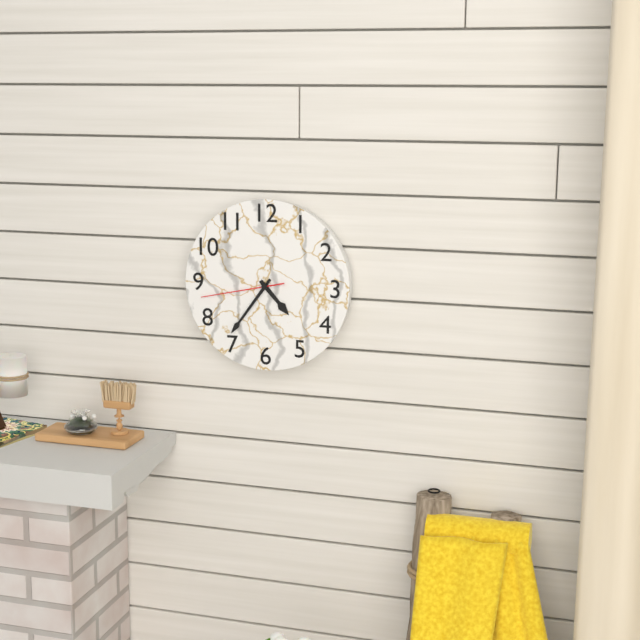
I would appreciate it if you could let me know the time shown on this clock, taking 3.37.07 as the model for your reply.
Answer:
4.36.43
